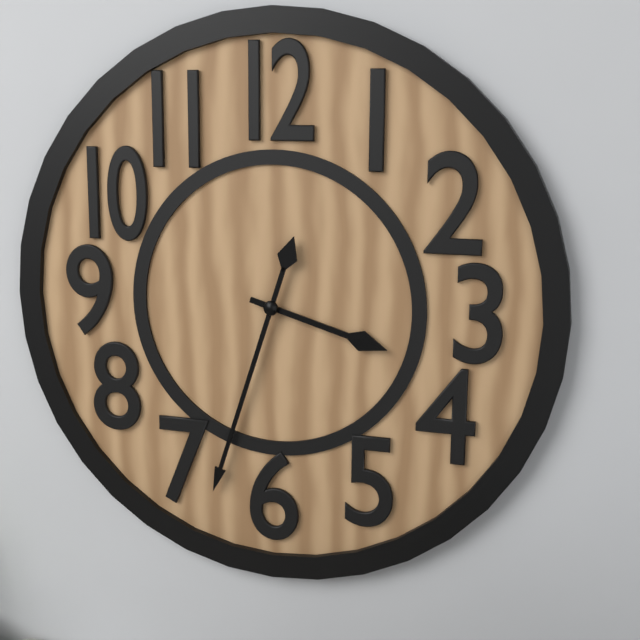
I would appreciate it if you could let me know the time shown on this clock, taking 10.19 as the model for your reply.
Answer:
3.33
